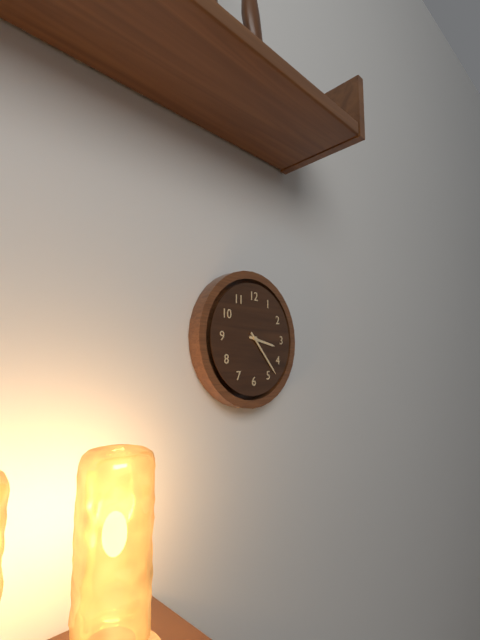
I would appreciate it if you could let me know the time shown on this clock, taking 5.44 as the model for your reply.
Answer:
3.23
